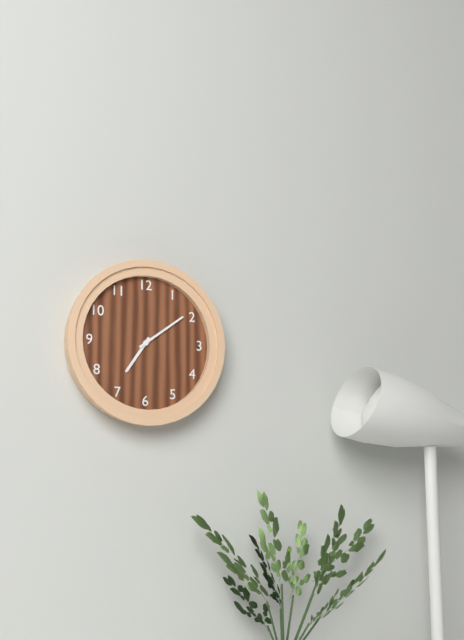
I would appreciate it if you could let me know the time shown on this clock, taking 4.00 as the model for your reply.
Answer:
7.09
